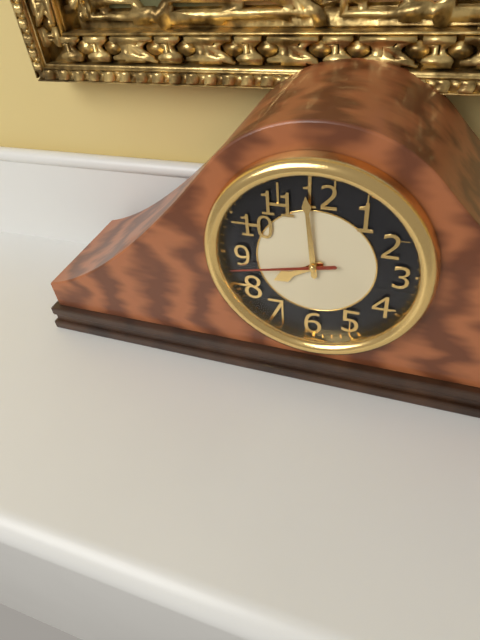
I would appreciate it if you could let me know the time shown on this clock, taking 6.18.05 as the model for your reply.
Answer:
7.59.43
